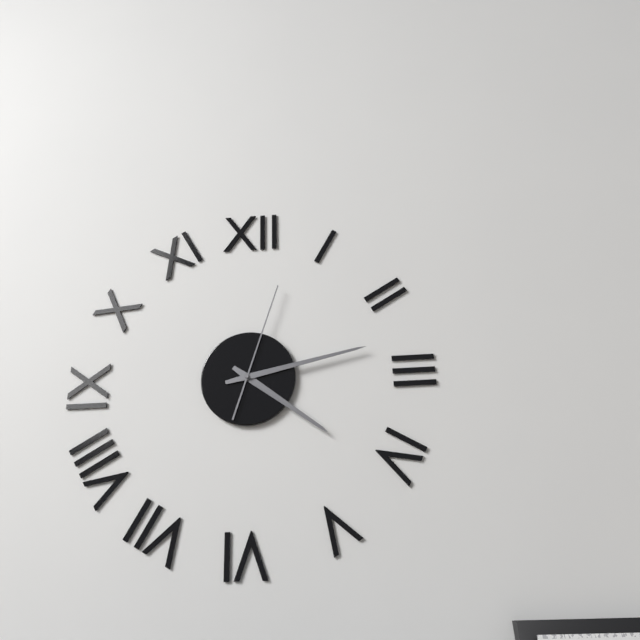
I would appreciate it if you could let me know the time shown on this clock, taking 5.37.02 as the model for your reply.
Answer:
4.13.03
